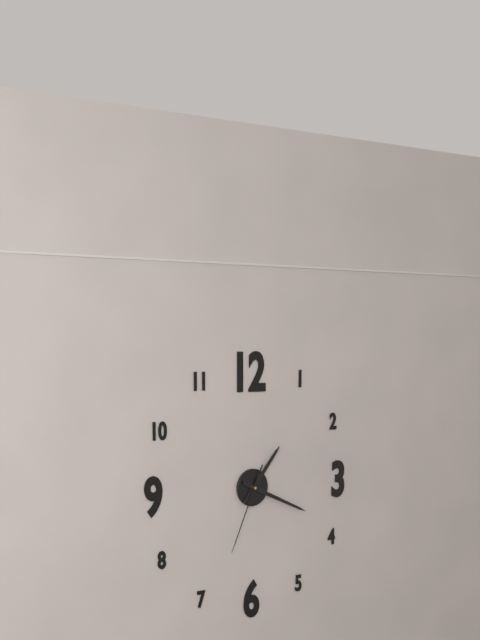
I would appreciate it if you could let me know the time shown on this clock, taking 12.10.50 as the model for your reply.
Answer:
1.19.34
